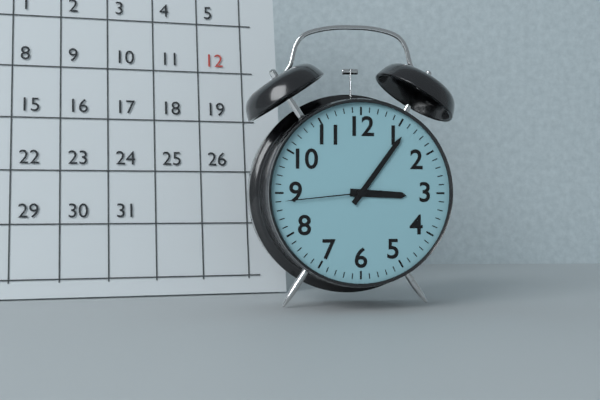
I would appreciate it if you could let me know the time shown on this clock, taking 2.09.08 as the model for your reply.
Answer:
3.06.44
